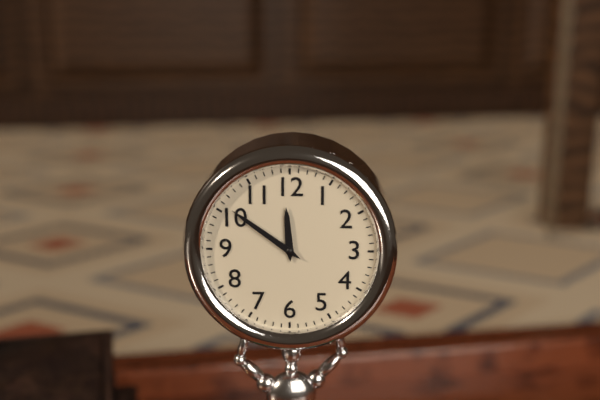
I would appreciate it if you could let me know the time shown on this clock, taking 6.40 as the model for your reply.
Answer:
11.51
